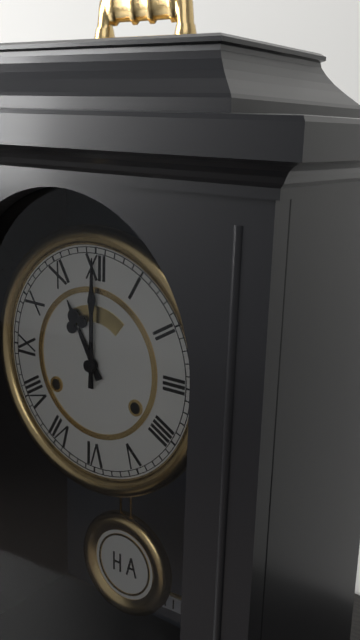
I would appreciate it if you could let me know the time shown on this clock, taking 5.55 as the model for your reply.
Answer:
11.00
